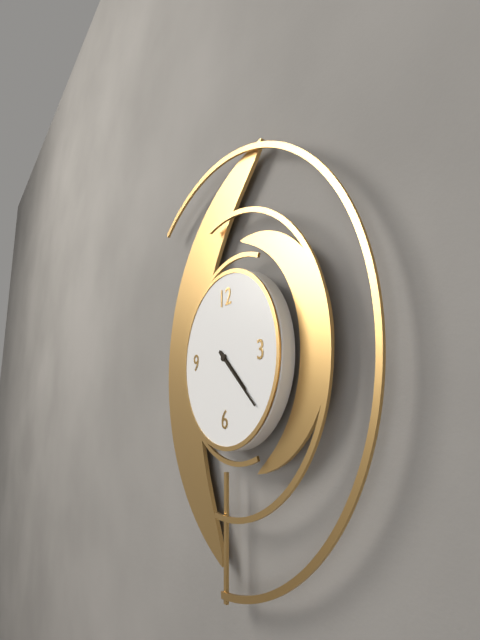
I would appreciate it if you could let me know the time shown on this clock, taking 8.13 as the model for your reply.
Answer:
4.22
